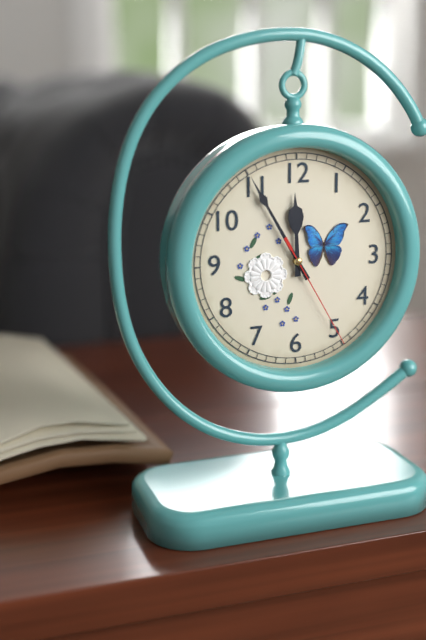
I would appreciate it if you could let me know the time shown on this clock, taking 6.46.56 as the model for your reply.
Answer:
11.55.25
